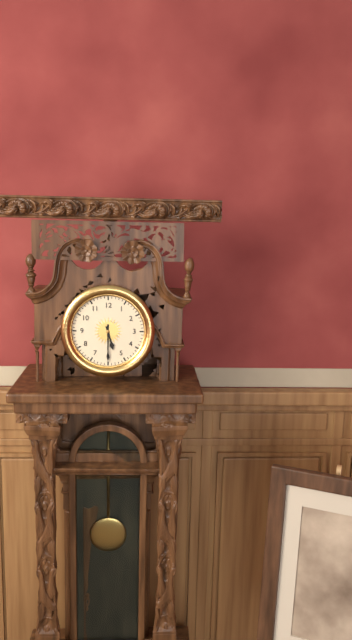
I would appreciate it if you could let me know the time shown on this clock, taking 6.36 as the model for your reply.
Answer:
5.30
